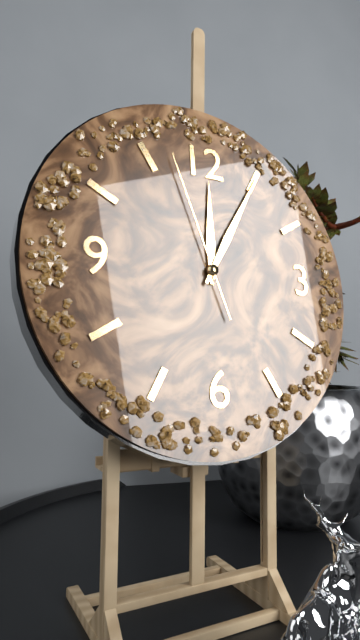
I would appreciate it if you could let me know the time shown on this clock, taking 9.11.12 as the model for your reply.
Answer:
12.05.57
